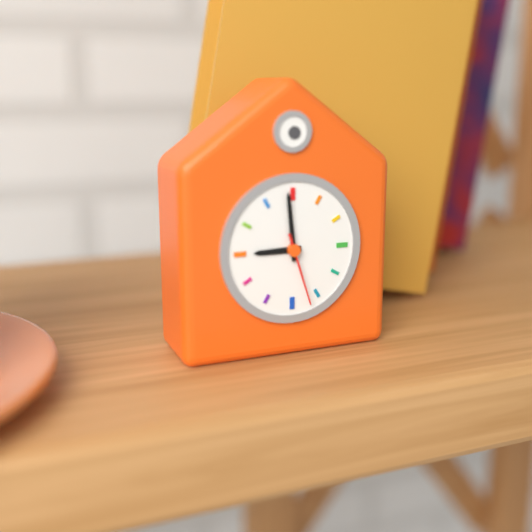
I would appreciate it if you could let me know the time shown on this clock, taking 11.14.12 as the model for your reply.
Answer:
8.59.27
